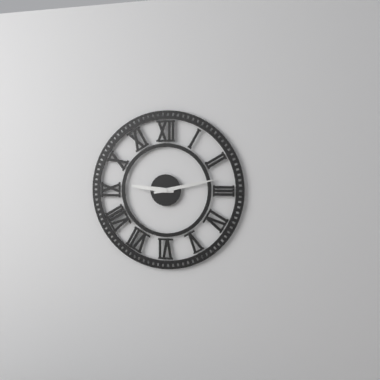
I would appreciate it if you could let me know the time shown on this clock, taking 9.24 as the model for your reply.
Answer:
9.13
